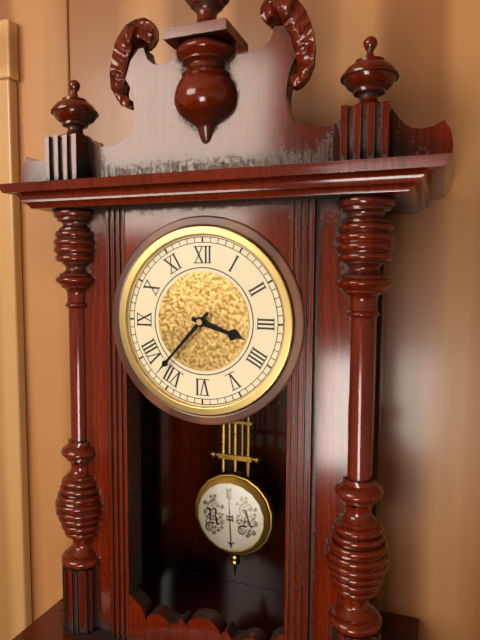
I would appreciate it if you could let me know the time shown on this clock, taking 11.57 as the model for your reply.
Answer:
3.37
